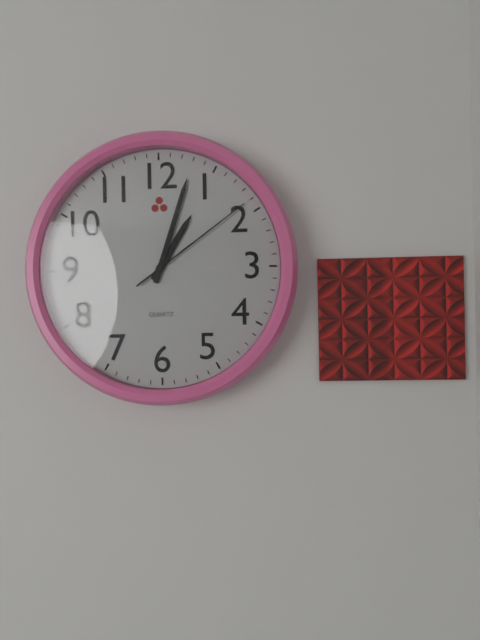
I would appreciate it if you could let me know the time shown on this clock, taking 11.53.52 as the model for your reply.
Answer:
1.03.09
